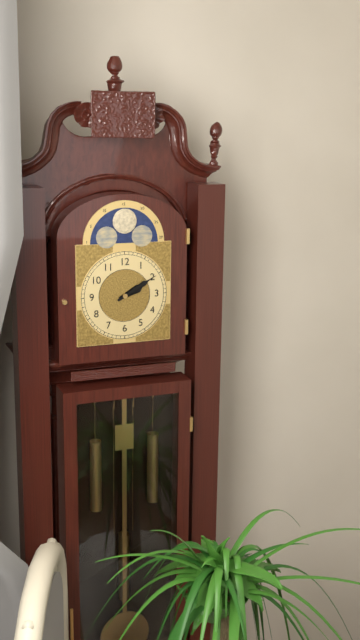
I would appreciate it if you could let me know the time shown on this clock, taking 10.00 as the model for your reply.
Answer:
2.10
